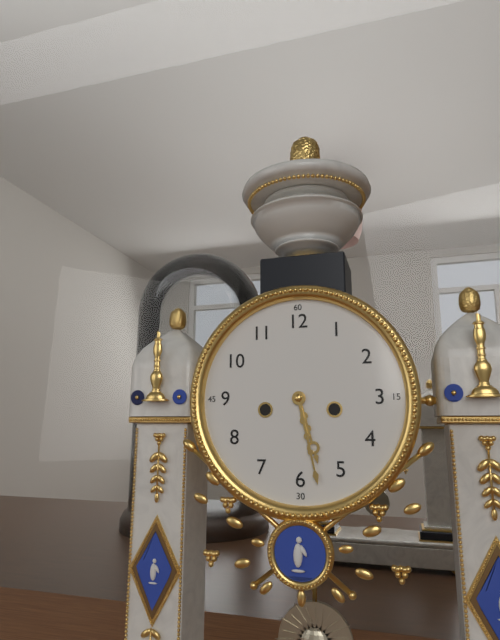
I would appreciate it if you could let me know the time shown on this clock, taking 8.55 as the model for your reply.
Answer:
5.28
